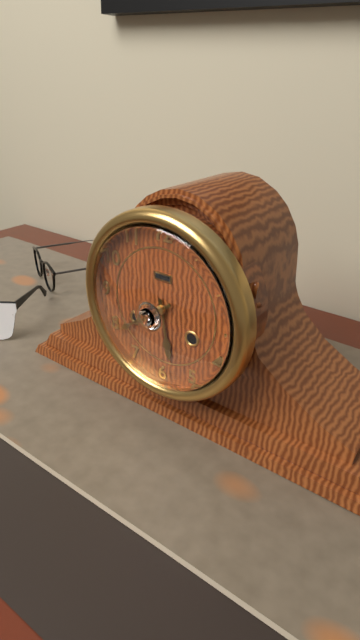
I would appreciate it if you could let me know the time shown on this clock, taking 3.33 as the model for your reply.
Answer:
5.39
